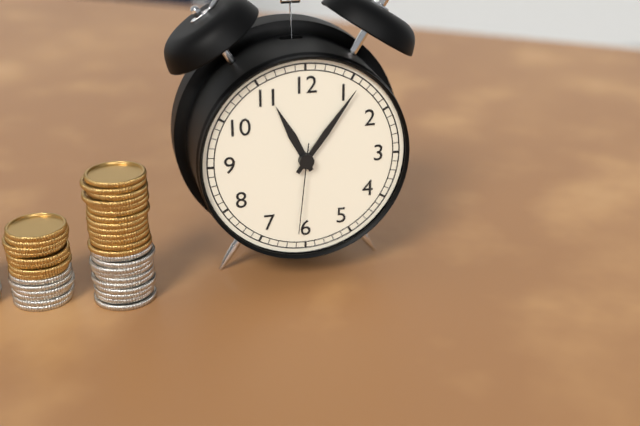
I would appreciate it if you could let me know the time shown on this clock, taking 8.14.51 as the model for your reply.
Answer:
11.06.31
